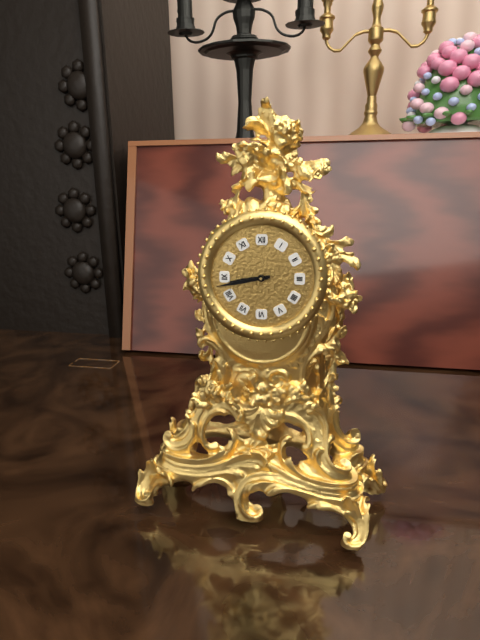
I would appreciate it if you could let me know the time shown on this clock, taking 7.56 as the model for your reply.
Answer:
8.43
